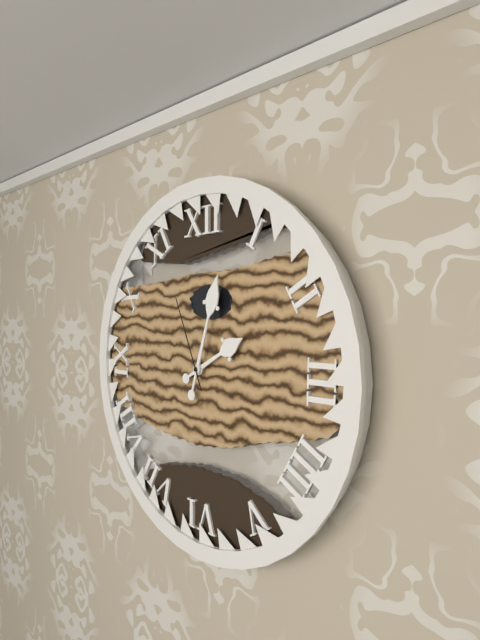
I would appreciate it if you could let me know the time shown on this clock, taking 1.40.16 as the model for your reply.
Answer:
2.03.56
